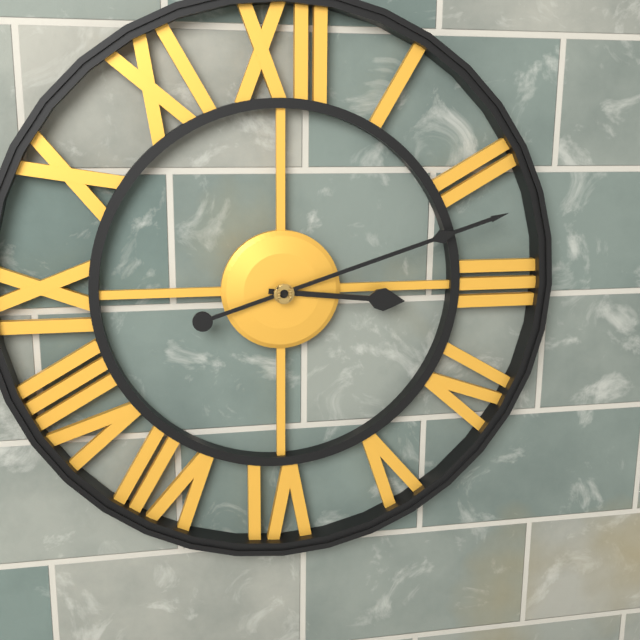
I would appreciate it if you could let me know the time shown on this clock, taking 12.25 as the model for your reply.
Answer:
3.12
